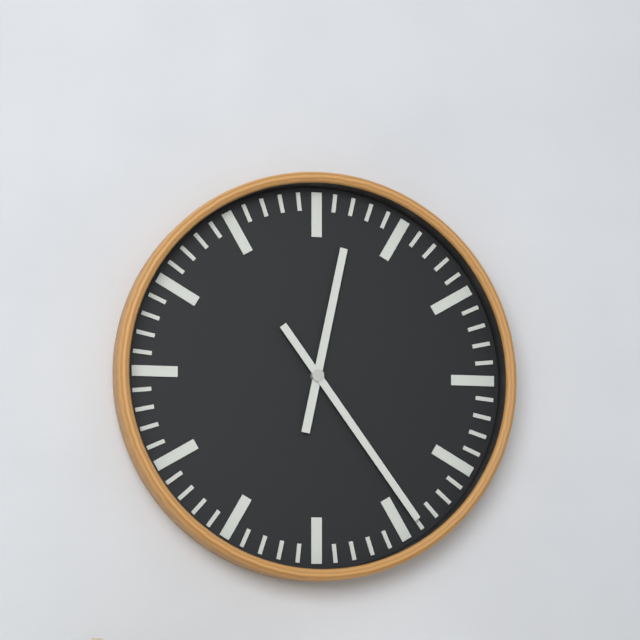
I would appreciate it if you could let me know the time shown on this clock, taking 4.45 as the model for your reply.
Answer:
12.24
